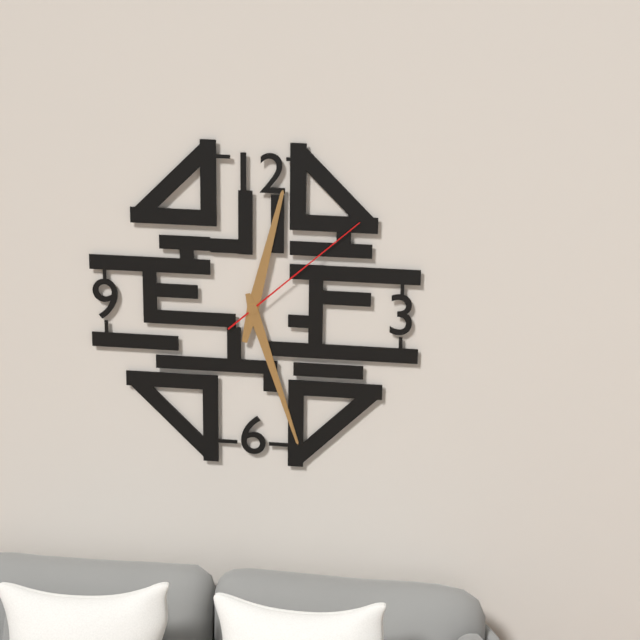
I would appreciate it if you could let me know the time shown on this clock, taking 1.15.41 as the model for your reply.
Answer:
12.27.08
